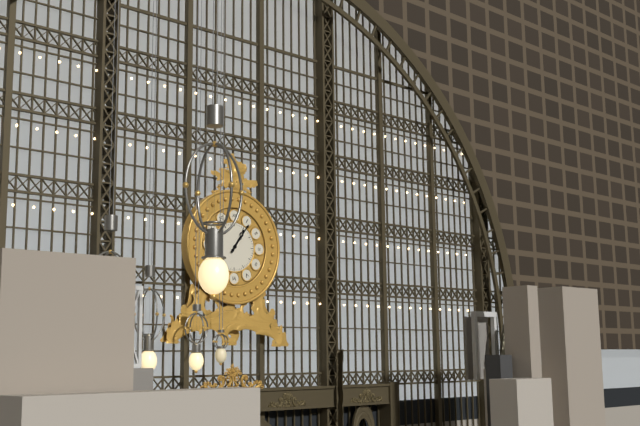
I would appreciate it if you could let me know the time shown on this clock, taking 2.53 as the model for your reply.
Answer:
1.06
